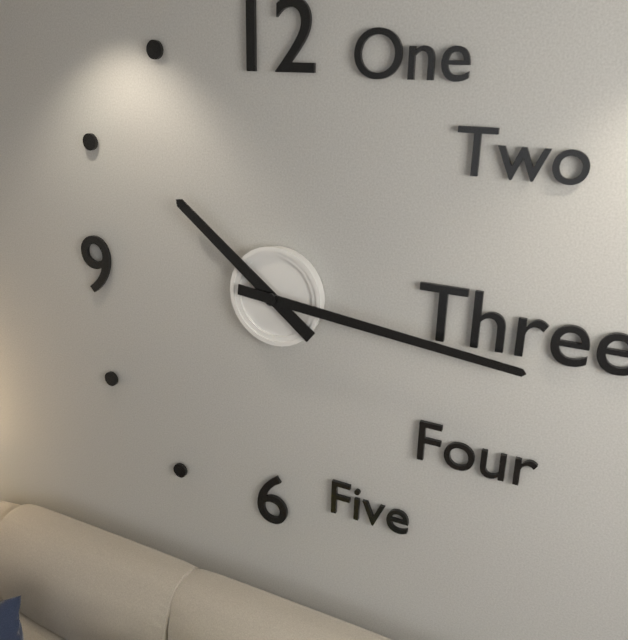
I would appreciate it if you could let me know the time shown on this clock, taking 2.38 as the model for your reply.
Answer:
10.16
